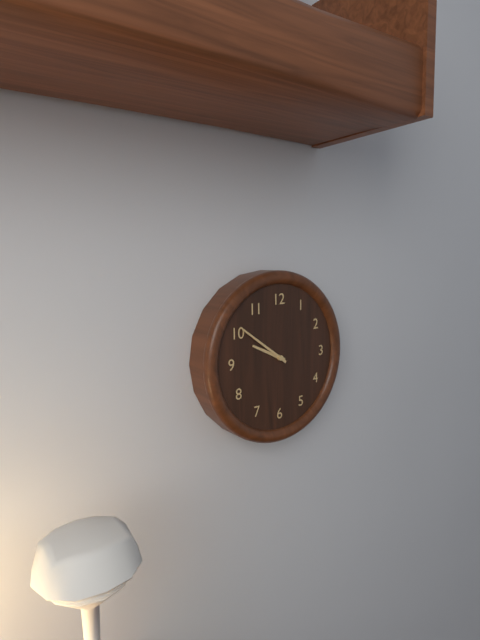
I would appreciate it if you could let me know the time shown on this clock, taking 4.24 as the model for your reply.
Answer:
9.51
